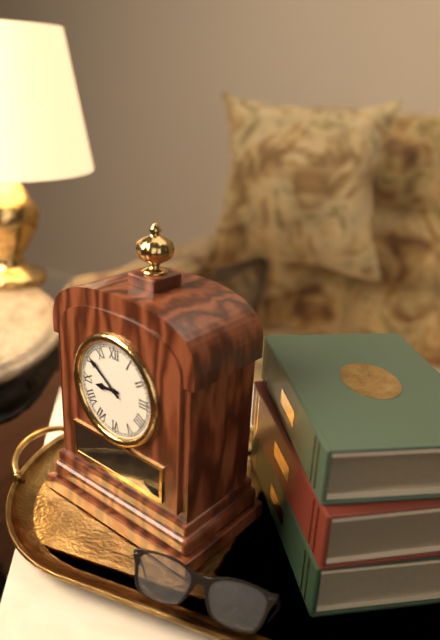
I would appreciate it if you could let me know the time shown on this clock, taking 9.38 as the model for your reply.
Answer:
8.51
